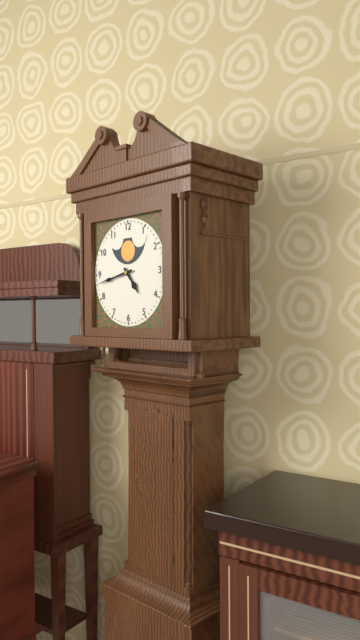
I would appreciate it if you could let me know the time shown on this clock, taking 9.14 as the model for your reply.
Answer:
4.43
